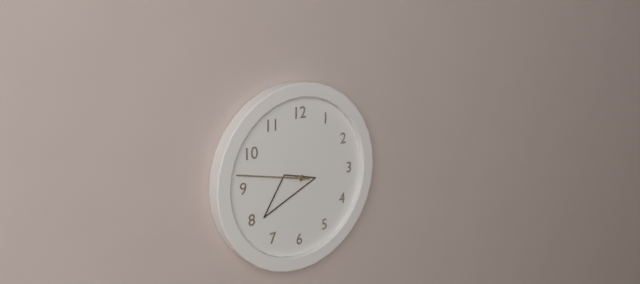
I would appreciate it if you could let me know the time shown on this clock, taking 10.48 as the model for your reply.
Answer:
7.47
